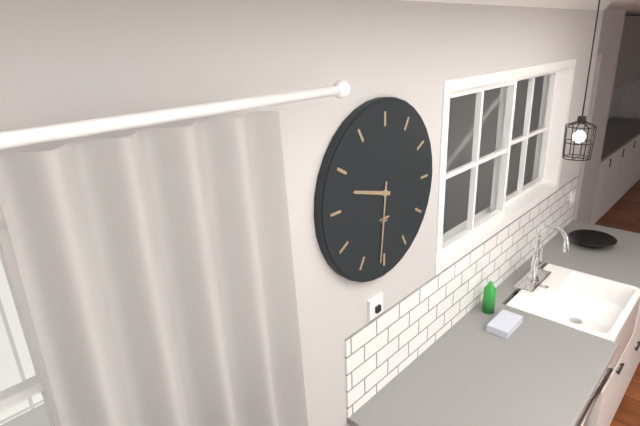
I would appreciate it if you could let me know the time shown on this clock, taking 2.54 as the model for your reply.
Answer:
9.31
